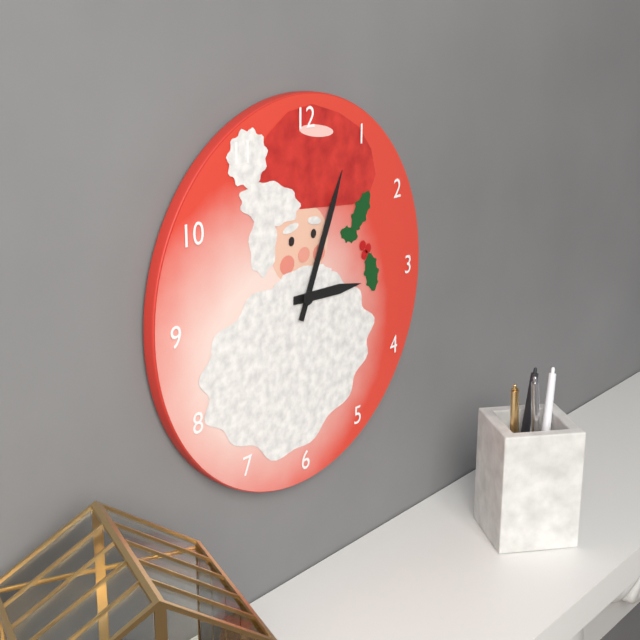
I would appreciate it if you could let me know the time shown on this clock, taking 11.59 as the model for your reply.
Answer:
3.04
